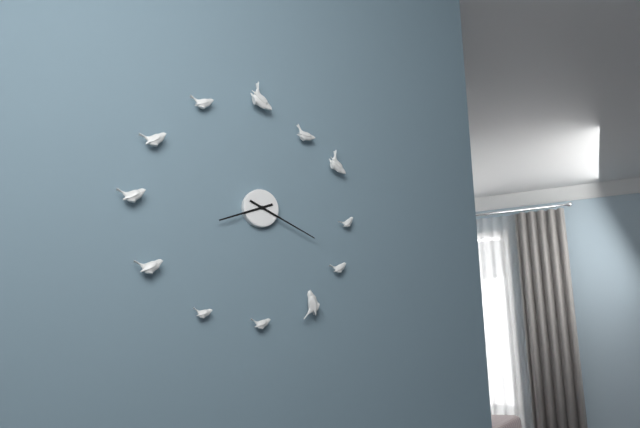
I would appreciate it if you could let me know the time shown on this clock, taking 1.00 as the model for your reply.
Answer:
8.19
